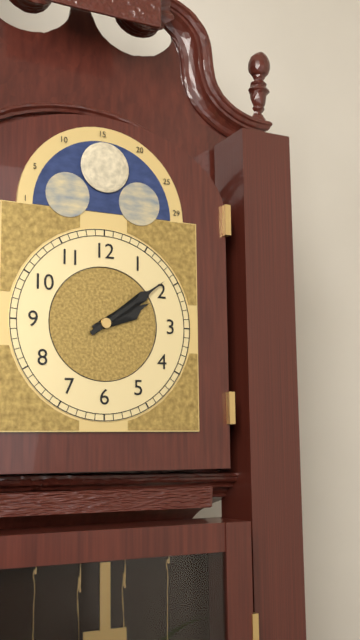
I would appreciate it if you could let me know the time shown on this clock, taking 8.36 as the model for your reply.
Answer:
2.09
